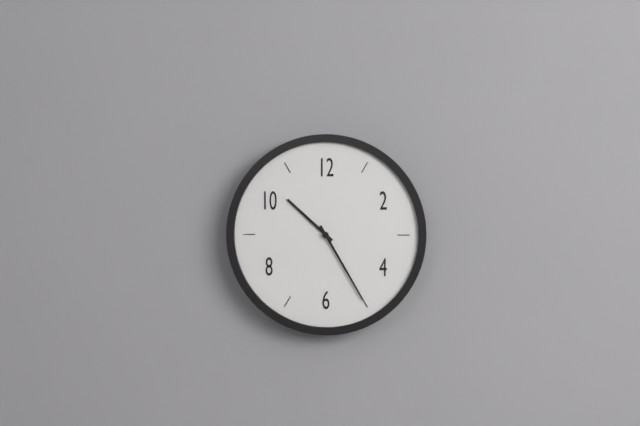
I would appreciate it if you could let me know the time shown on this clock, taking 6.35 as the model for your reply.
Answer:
10.25
